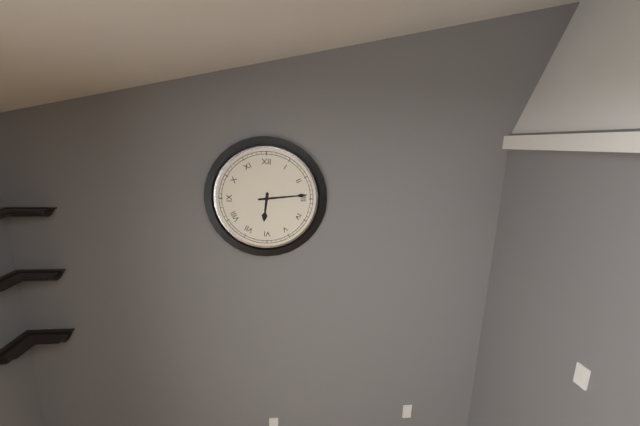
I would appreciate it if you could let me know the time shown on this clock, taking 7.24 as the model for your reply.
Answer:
6.14
